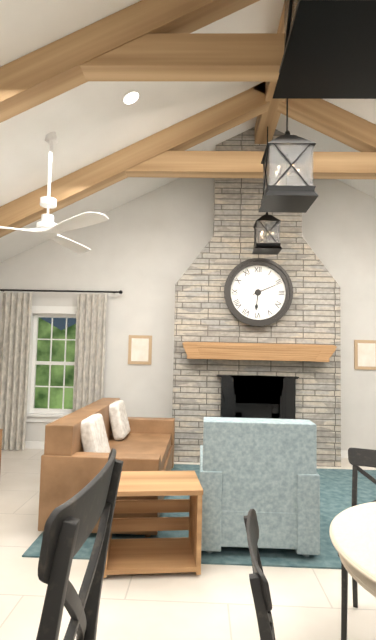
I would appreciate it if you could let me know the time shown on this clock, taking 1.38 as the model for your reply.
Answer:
6.11
